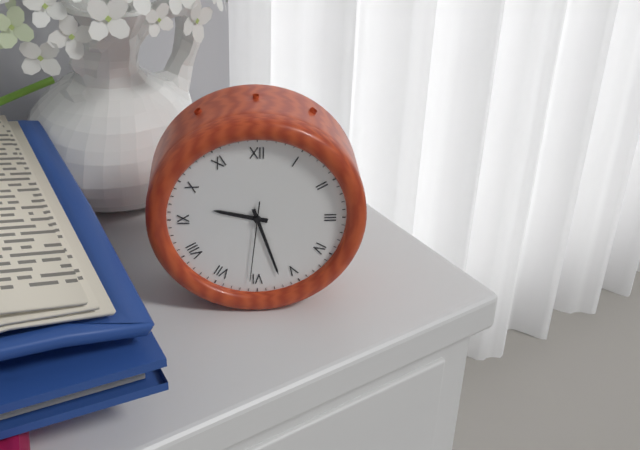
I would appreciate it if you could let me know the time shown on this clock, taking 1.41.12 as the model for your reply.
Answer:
9.27.31
